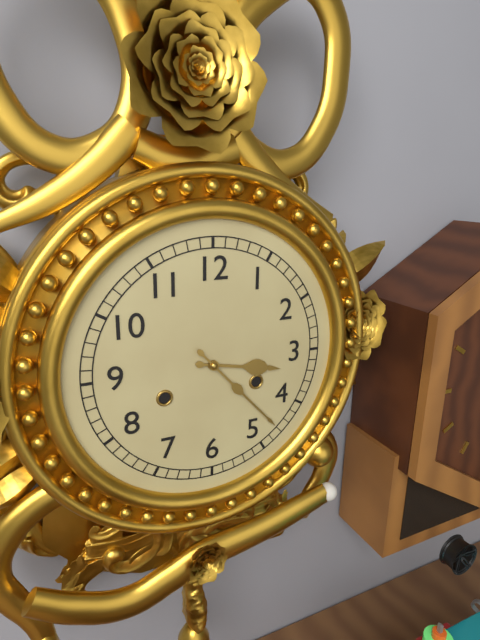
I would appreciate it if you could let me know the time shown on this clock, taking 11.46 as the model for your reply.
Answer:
3.23
